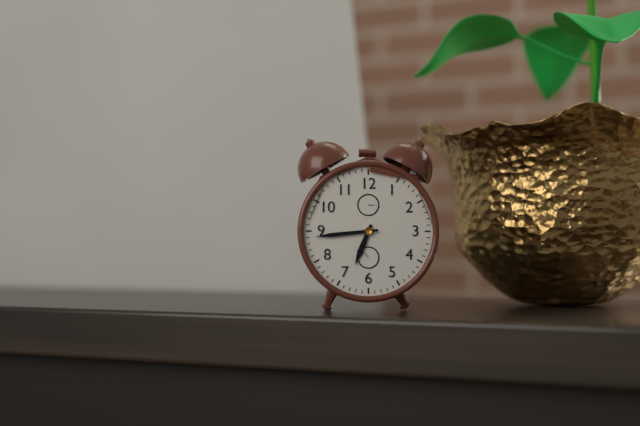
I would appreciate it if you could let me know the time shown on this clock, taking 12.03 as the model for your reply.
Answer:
6.44
